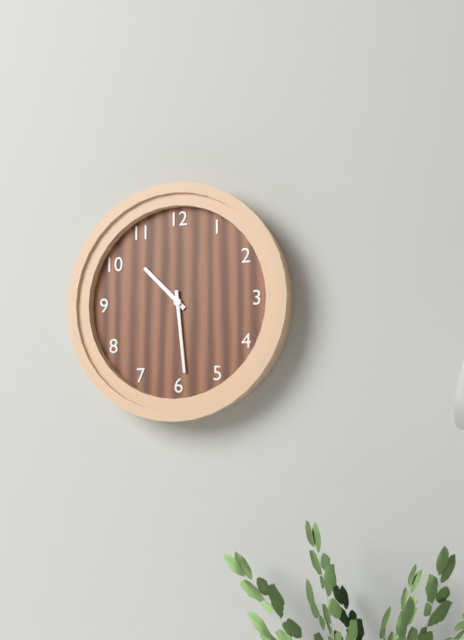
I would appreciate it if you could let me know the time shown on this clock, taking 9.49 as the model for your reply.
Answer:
10.29
